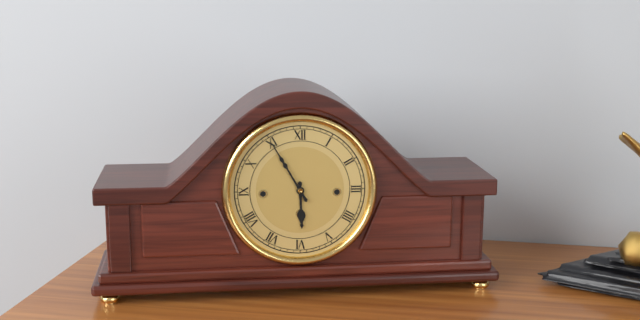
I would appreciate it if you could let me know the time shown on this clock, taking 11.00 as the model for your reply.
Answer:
5.55
